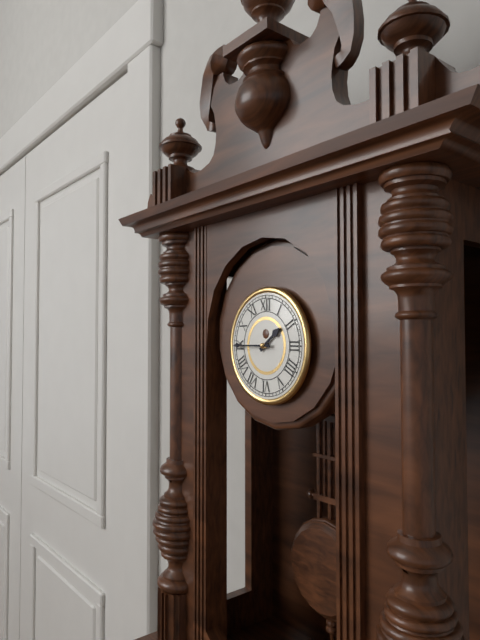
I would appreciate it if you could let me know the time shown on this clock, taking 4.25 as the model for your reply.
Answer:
1.45
